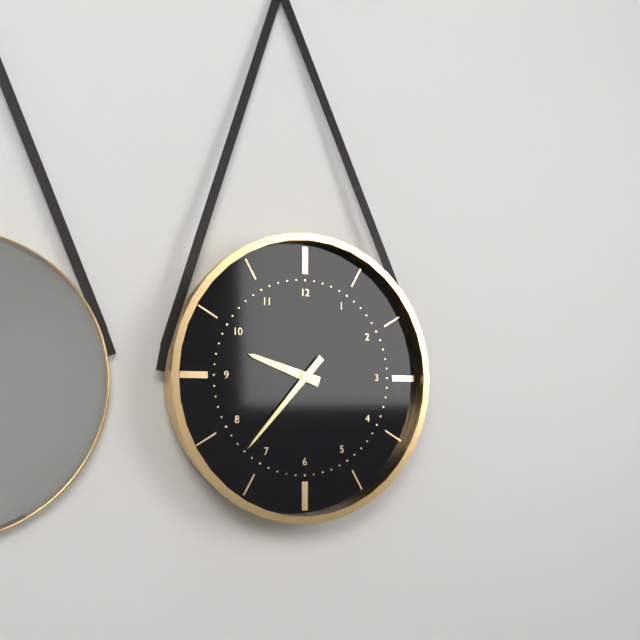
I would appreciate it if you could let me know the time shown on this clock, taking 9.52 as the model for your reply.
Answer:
9.37
